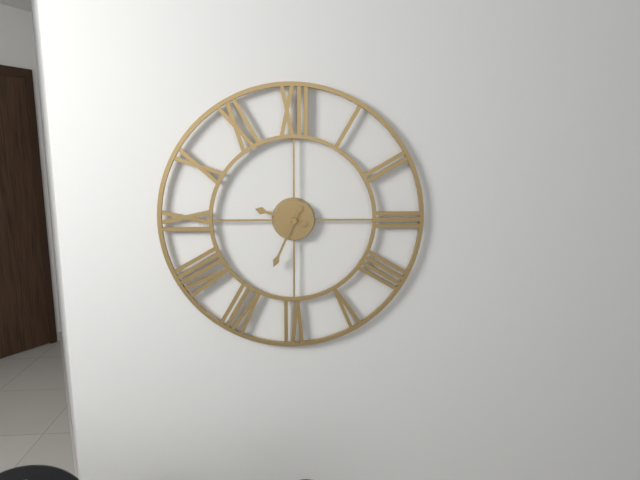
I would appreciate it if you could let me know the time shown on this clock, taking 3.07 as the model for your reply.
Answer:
9.34
